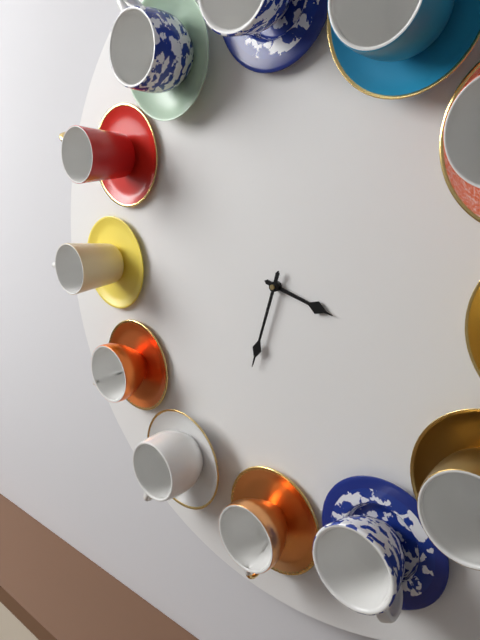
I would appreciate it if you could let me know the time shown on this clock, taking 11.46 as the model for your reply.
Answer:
3.33
